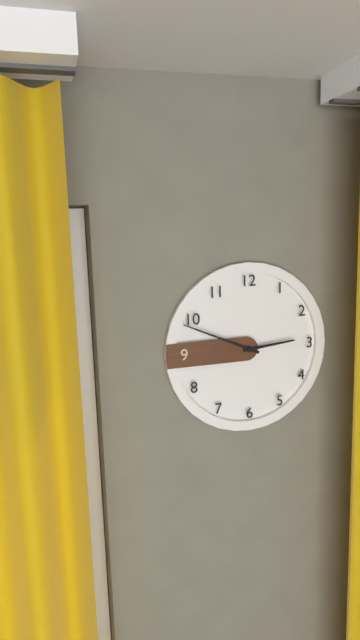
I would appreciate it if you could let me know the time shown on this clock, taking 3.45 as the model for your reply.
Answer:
2.49
